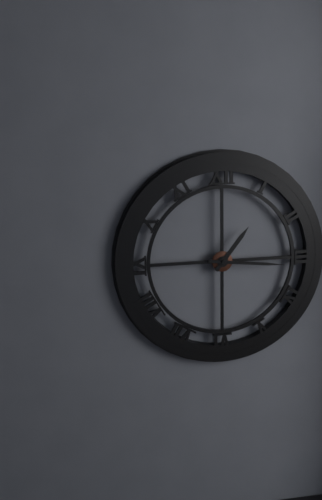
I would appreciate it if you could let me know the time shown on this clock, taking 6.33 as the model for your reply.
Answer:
1.16
